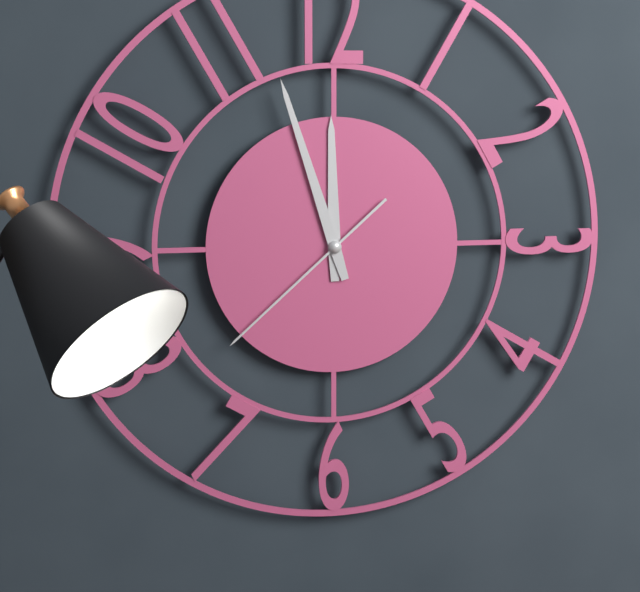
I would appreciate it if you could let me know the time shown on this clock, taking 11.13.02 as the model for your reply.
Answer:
11.57.38
